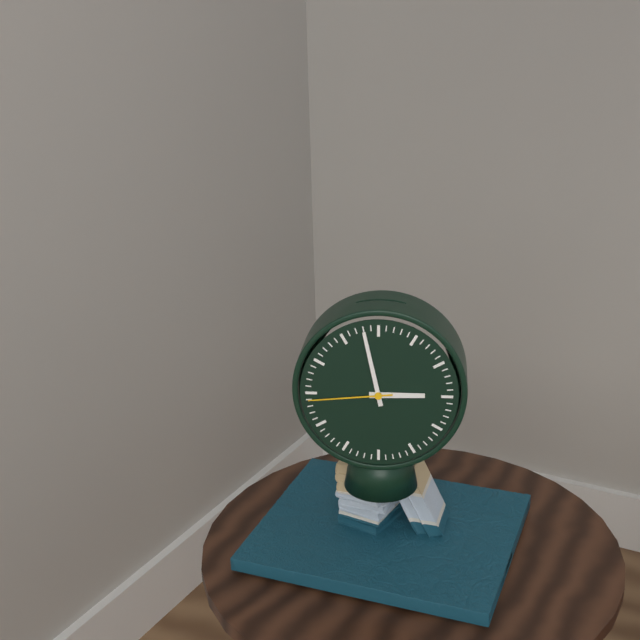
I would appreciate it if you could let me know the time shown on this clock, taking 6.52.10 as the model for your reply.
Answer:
2.58.44
